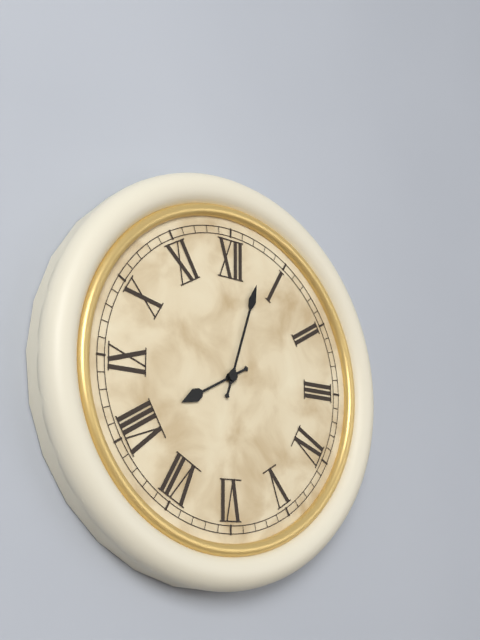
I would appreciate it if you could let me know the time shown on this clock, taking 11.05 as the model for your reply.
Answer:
8.03
